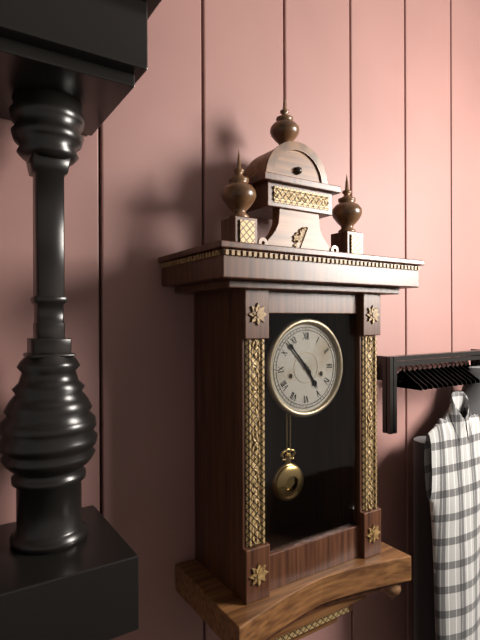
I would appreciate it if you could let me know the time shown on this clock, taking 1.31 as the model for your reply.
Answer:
4.53
